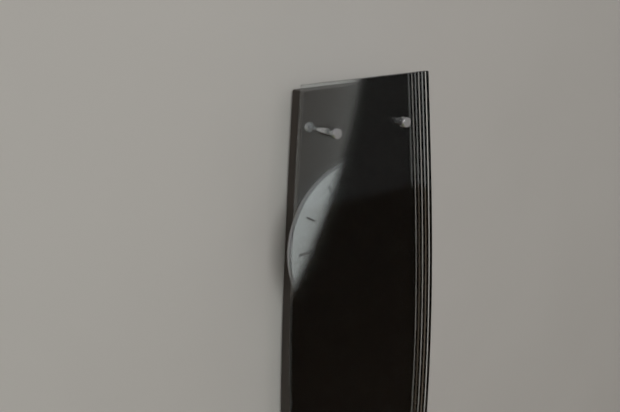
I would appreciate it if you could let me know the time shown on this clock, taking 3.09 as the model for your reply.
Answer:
12.08
